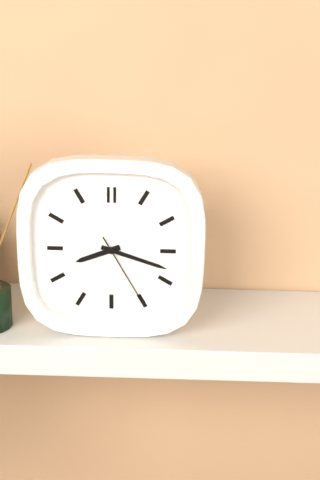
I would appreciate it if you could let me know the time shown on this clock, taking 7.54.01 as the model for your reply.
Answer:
8.18.25
